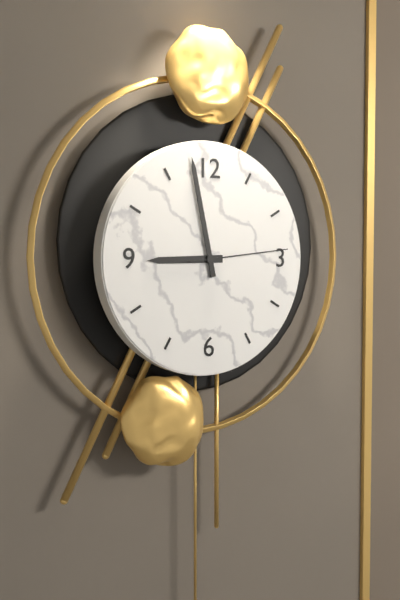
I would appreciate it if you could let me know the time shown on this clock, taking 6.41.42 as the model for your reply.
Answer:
8.58.14
